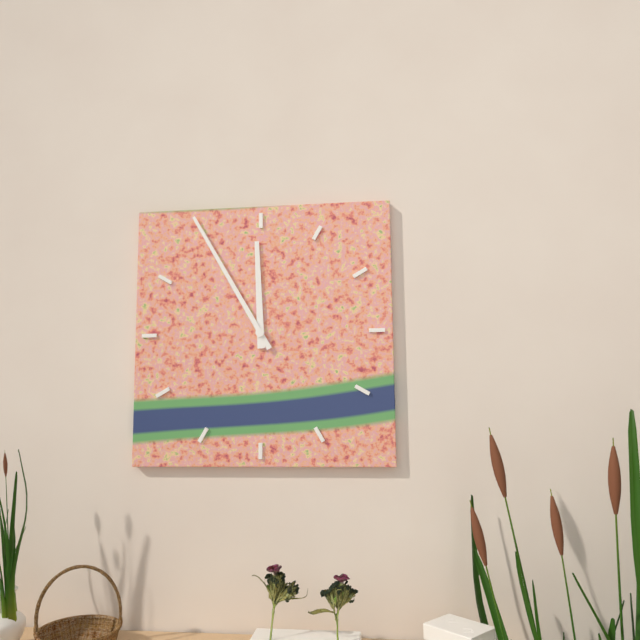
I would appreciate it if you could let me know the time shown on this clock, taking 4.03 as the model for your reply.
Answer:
11.55
